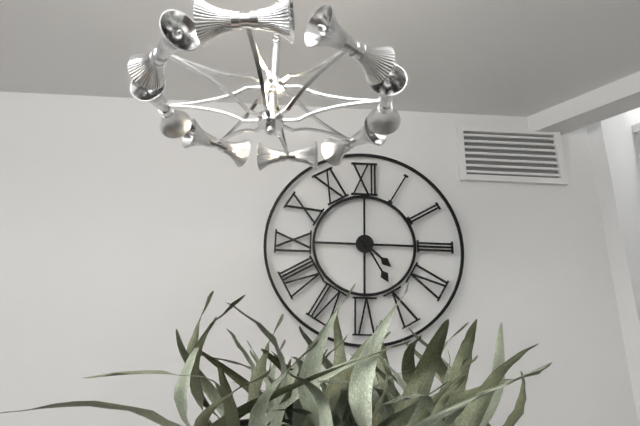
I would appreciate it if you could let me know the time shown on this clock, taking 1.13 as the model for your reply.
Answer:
4.25
